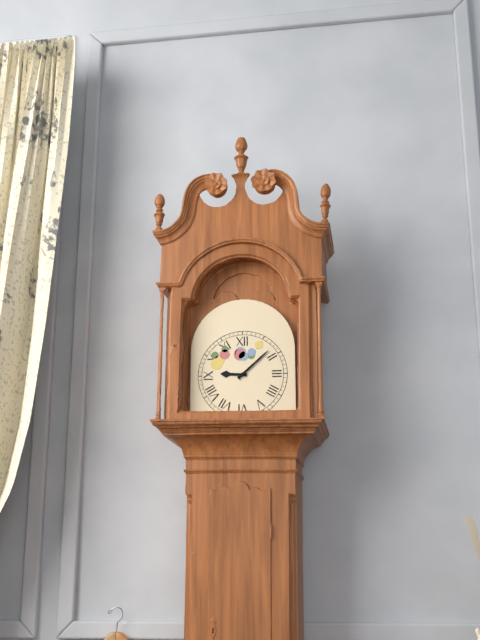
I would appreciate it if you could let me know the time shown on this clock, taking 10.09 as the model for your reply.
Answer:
9.08
